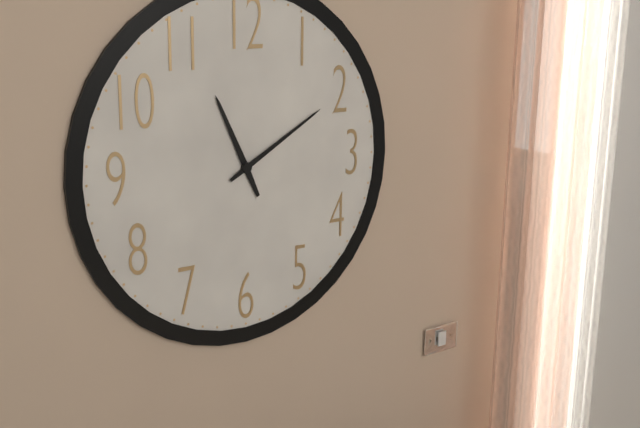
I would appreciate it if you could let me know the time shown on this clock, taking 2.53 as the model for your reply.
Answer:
11.10
